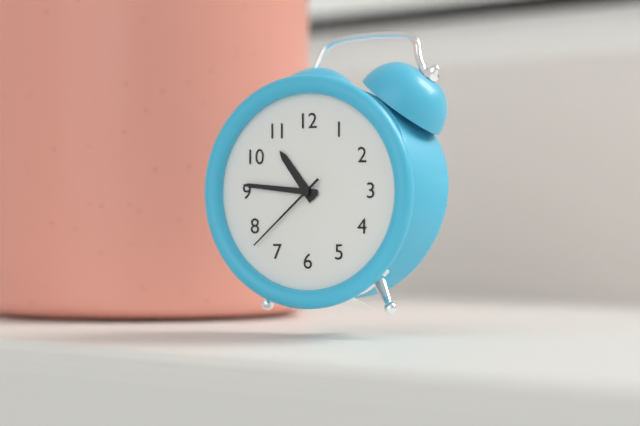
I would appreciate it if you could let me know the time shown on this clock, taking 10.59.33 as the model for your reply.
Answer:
10.46.38
